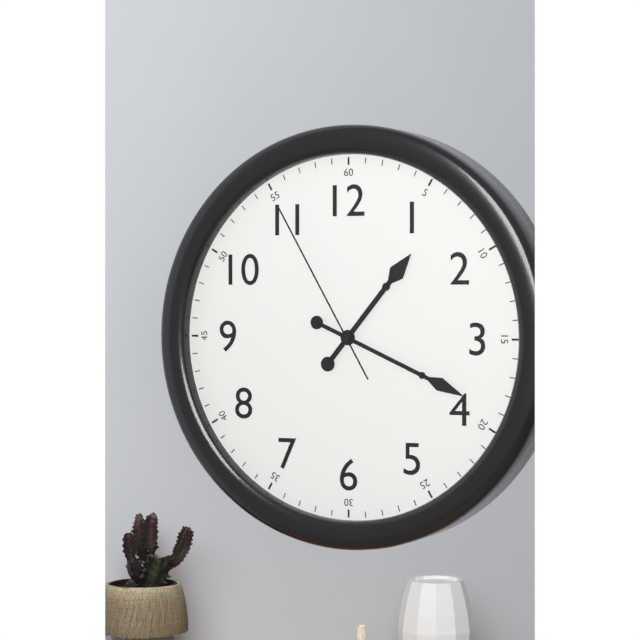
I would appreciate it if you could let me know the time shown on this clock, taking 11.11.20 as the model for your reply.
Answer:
1.19.55
